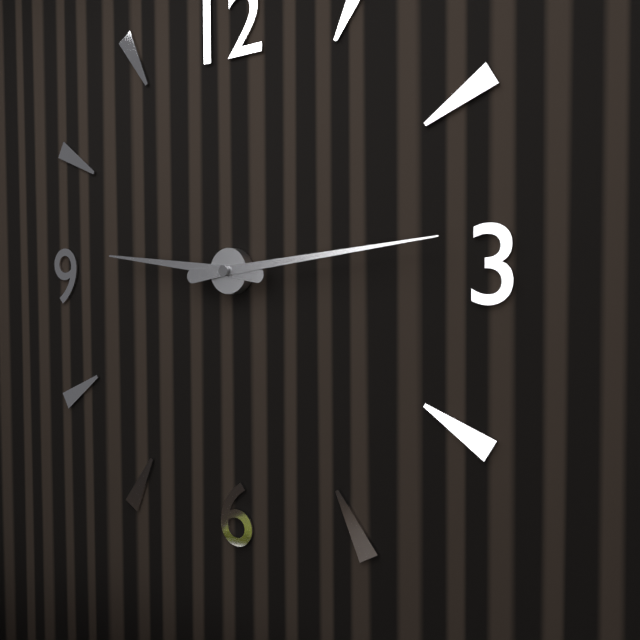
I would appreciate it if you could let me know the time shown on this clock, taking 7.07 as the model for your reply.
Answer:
9.14
